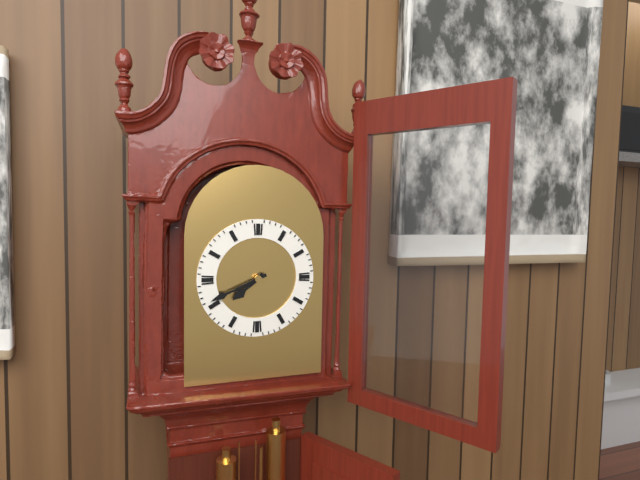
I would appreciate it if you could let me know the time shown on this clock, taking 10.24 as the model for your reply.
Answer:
7.41
